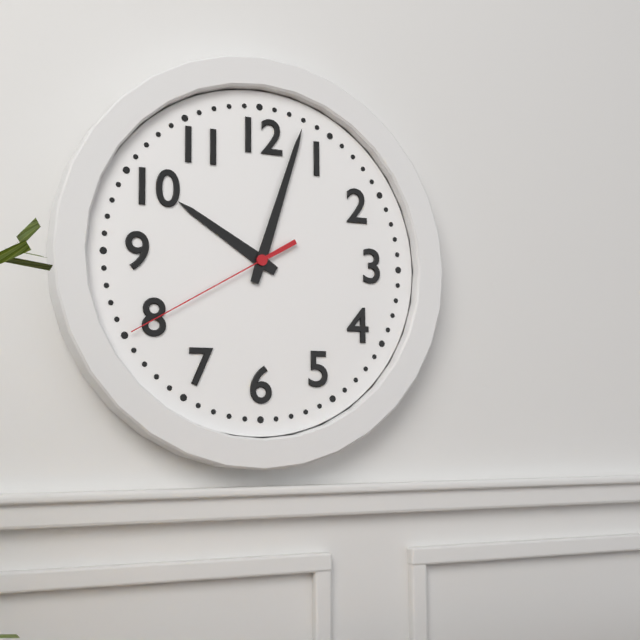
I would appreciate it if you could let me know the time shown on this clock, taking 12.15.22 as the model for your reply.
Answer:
10.03.40
